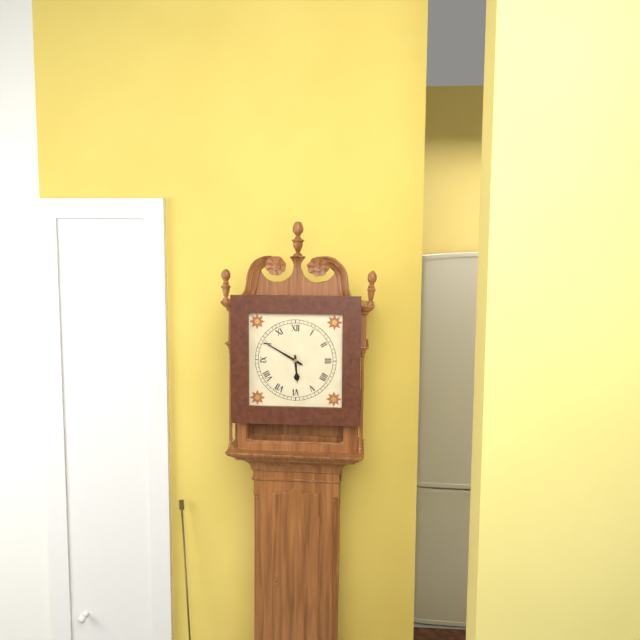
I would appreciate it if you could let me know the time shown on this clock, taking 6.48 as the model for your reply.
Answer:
5.50
